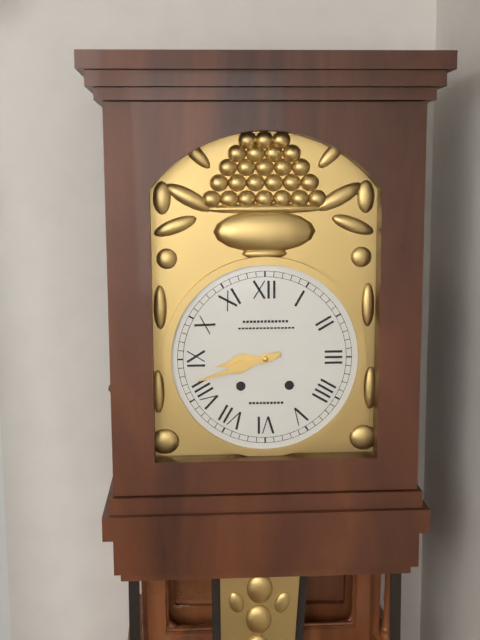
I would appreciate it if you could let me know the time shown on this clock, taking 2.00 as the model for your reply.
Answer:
8.42
